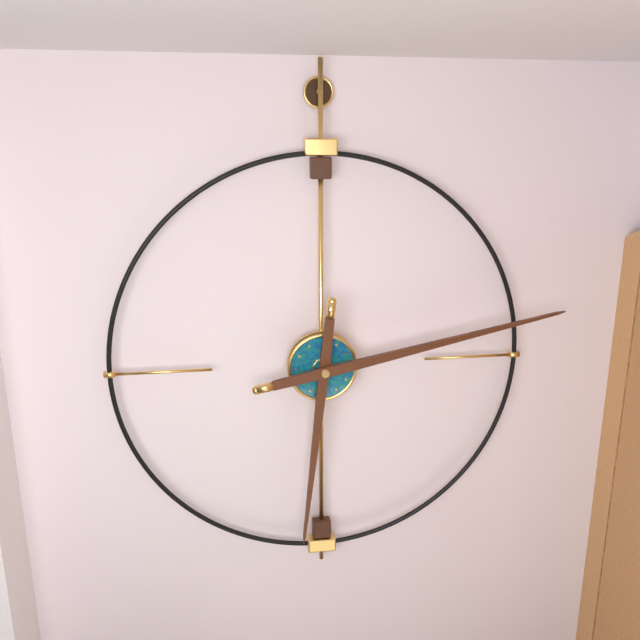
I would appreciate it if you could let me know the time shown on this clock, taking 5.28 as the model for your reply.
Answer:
6.13
